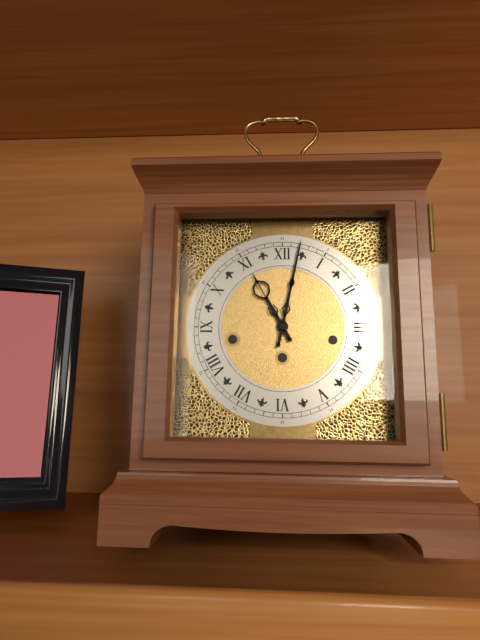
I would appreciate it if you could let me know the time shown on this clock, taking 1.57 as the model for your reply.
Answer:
11.02
